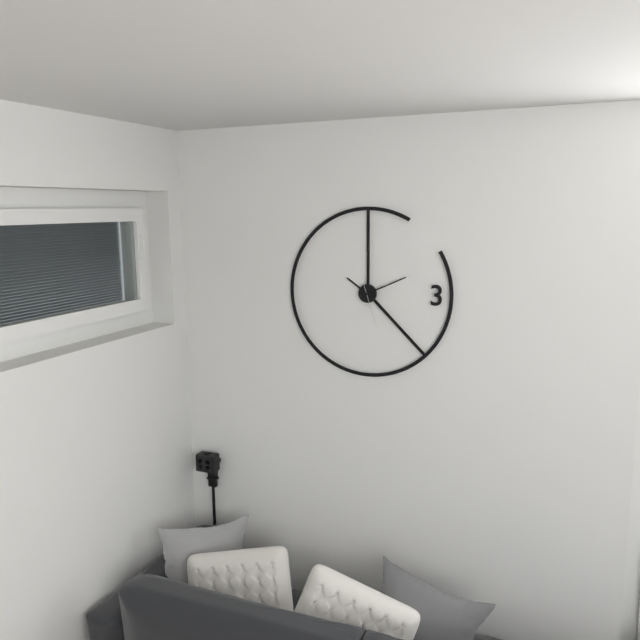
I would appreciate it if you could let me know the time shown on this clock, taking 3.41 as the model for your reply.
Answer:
10.11
